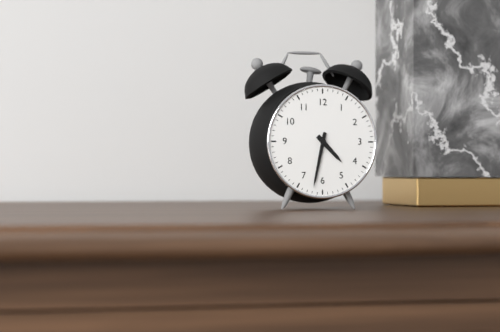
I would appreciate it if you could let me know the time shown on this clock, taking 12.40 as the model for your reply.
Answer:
4.32
